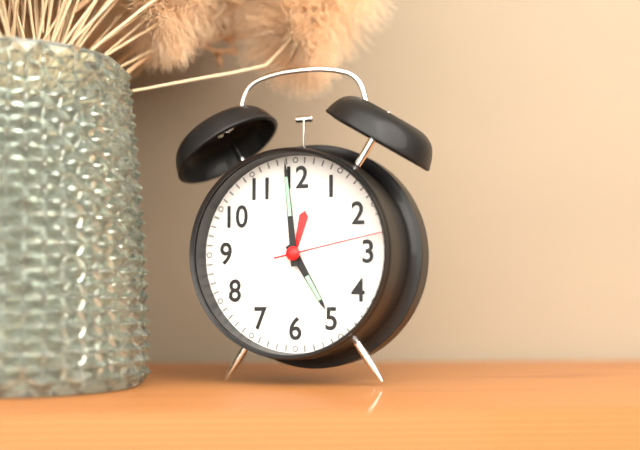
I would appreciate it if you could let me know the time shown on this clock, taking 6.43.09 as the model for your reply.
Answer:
4.59.13
